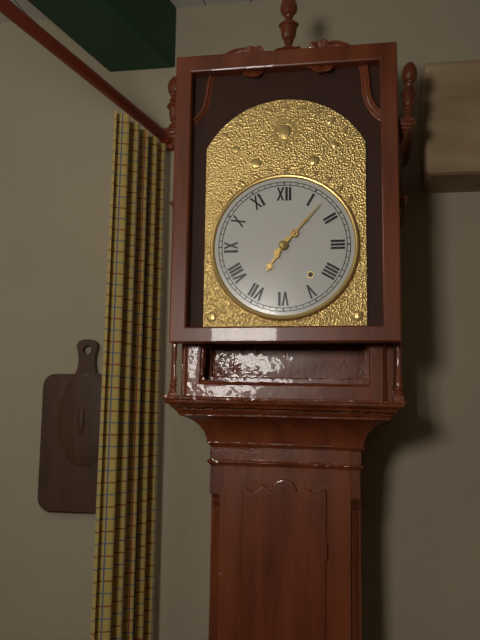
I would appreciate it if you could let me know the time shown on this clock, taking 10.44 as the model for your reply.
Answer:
7.07
